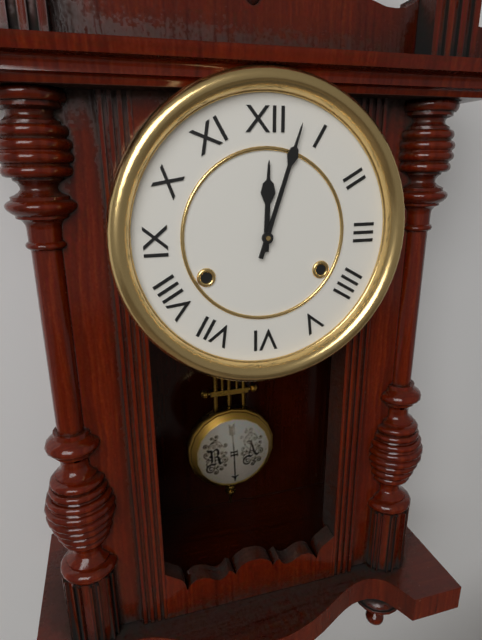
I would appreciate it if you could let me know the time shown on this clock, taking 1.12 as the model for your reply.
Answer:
12.03
